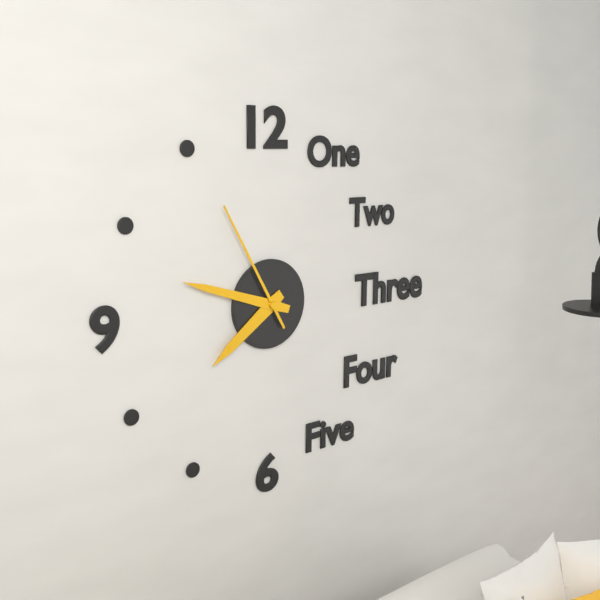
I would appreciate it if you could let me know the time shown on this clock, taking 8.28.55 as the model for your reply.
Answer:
7.48.55
